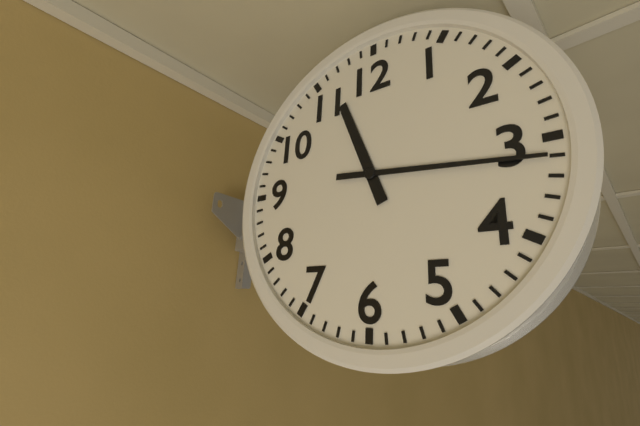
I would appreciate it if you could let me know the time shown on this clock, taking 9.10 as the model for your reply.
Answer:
11.16
